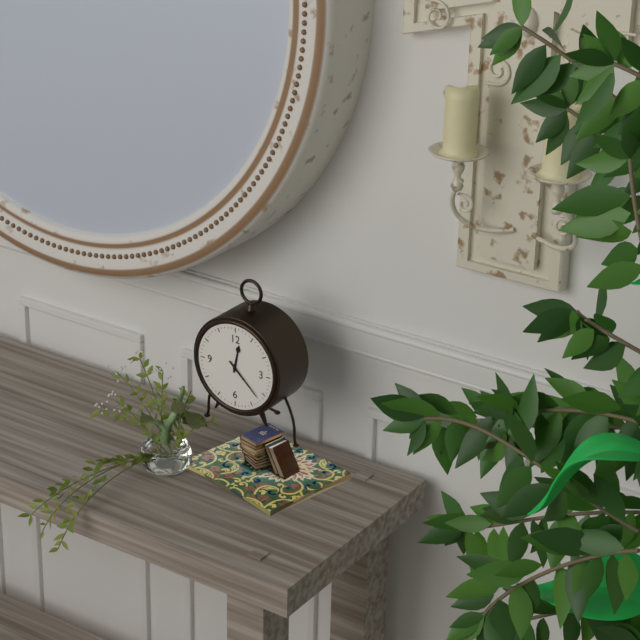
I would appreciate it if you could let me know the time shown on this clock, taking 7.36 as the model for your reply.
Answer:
12.22
